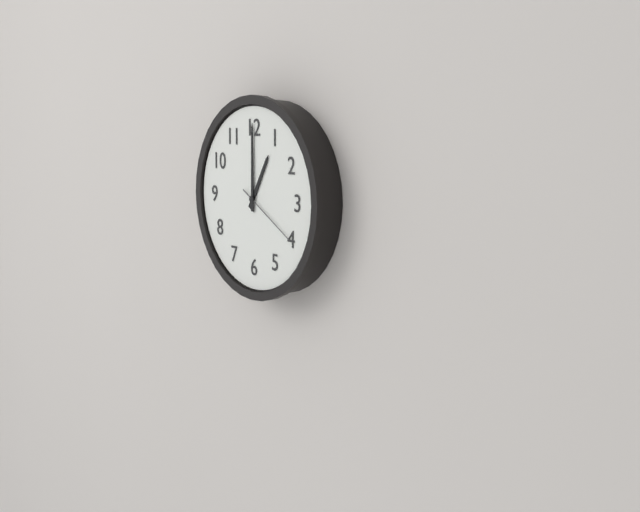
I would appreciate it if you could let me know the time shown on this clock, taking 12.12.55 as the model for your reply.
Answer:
1.00.20
